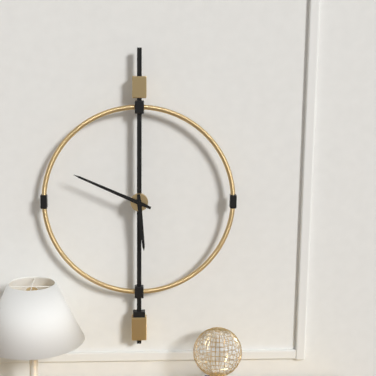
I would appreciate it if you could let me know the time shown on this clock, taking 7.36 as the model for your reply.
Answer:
5.49
